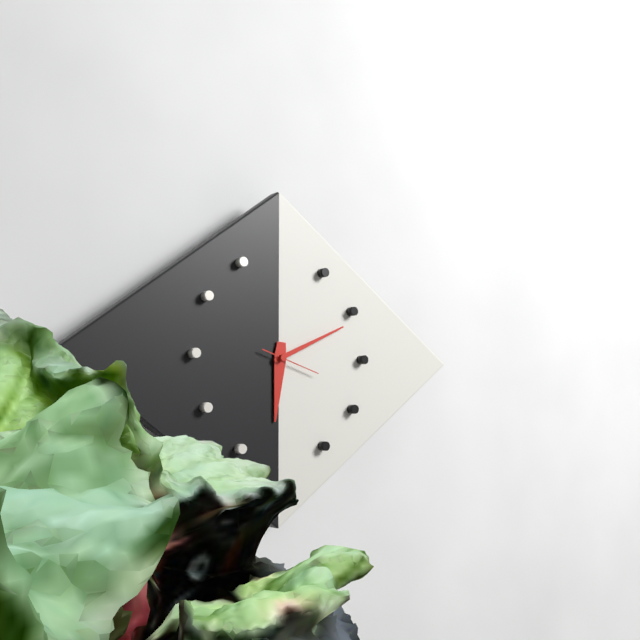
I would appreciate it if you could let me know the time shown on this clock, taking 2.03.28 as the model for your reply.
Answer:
6.11.18
